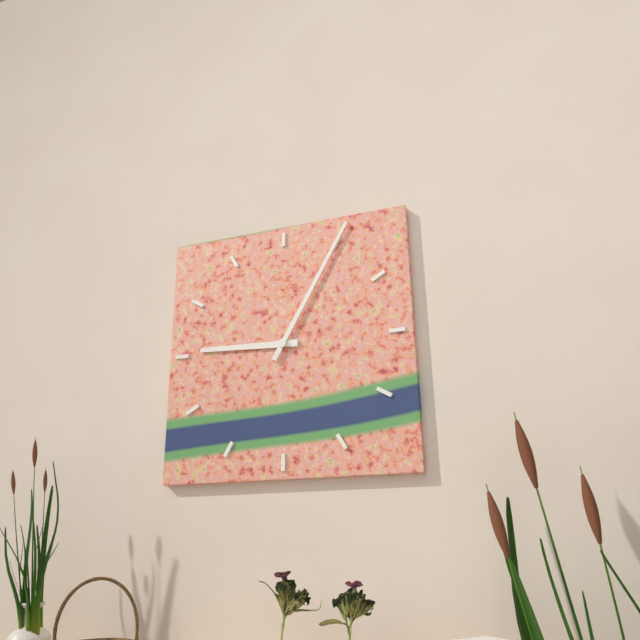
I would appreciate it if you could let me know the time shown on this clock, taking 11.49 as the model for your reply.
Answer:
9.05
